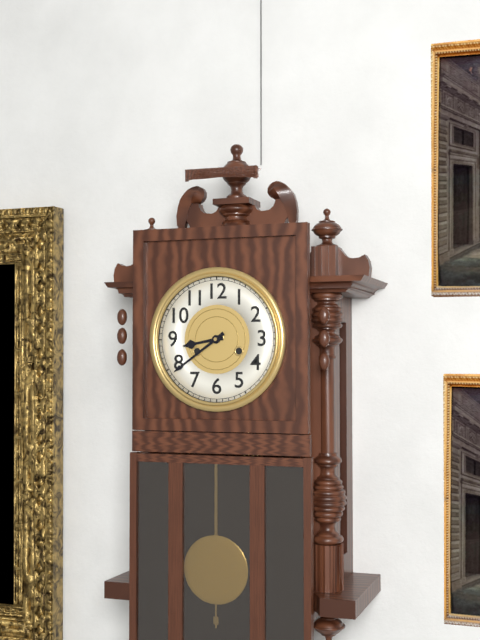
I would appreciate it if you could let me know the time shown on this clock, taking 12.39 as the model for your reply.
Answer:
8.39
